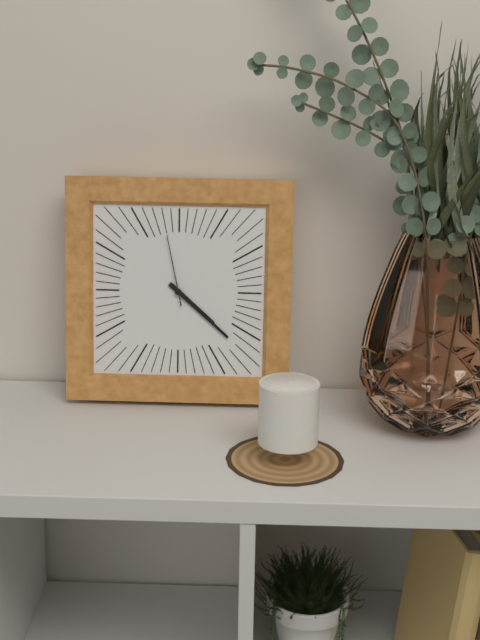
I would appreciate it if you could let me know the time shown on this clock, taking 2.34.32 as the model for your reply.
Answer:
4.22.58
